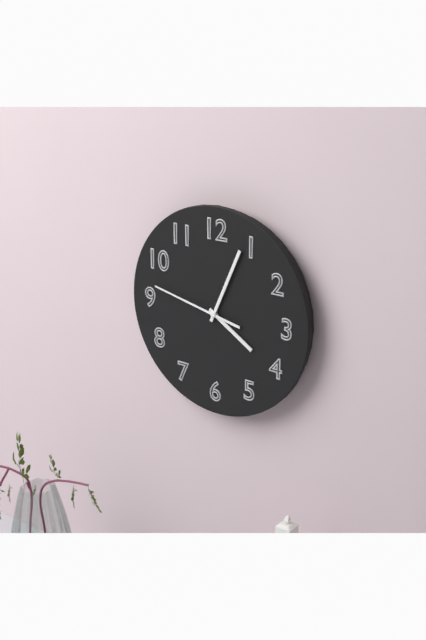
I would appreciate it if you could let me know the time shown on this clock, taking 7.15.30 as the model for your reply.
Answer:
4.04.47
